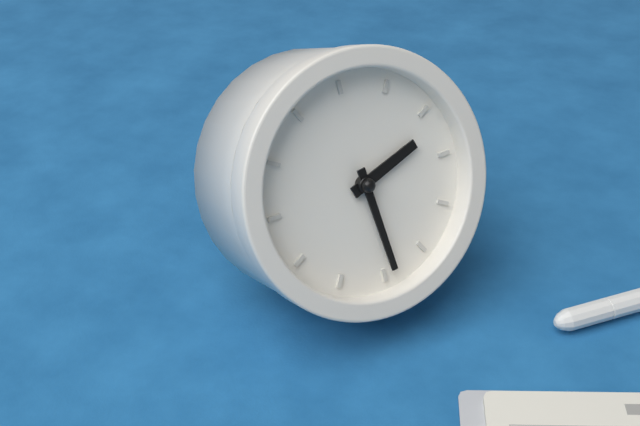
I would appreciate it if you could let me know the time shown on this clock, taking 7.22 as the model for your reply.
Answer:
1.24
